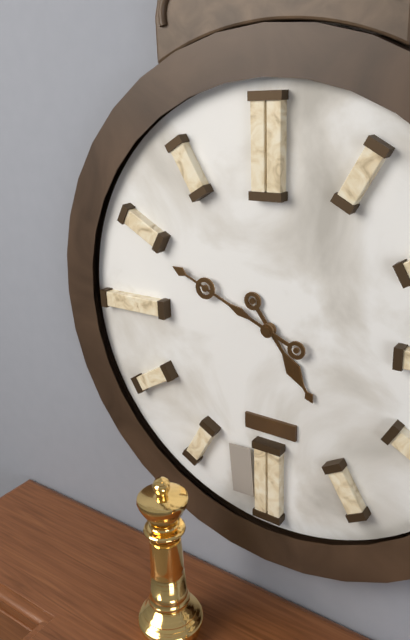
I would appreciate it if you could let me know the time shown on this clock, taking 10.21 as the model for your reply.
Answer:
4.49
